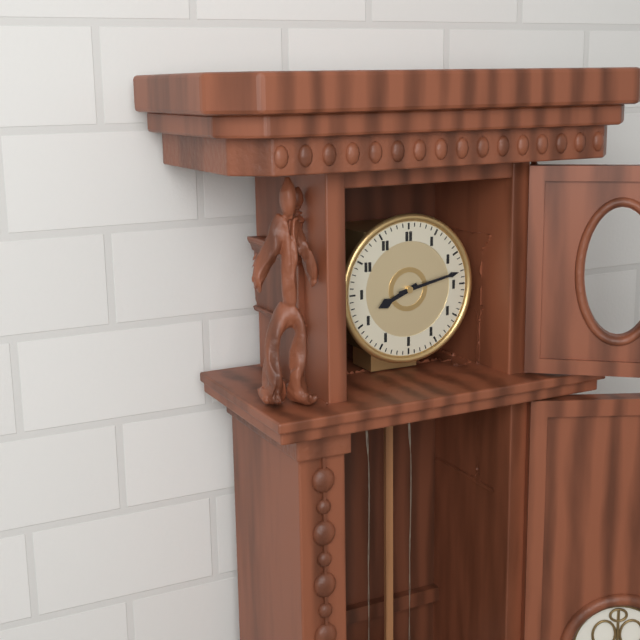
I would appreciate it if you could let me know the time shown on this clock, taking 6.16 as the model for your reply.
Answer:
8.13
